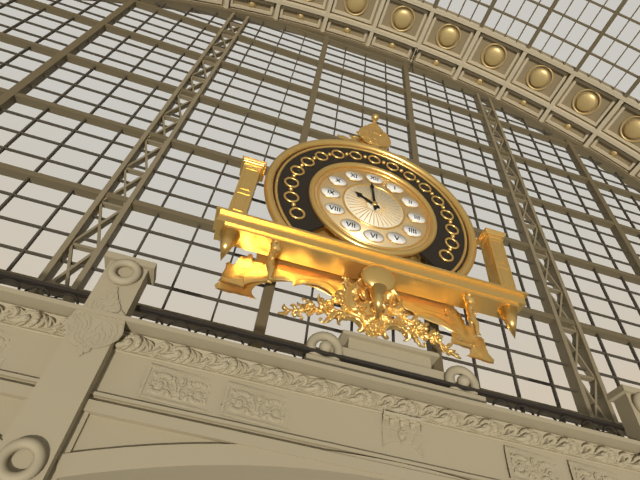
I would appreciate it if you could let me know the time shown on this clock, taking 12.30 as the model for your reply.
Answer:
9.59
